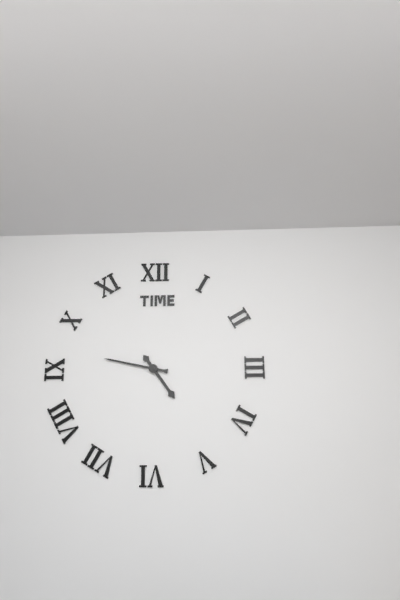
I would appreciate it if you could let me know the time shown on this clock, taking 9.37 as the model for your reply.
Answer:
4.47
